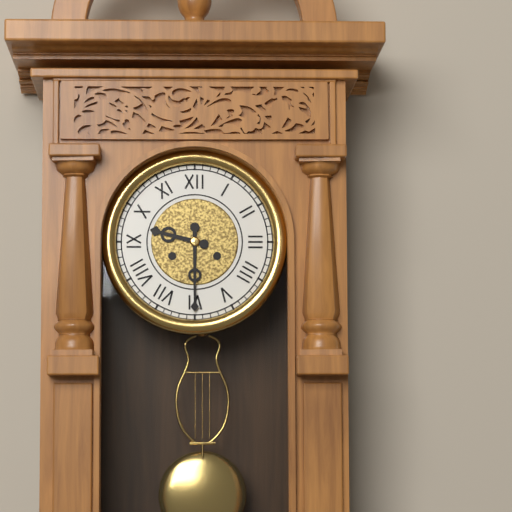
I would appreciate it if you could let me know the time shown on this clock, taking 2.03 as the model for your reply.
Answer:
9.30
